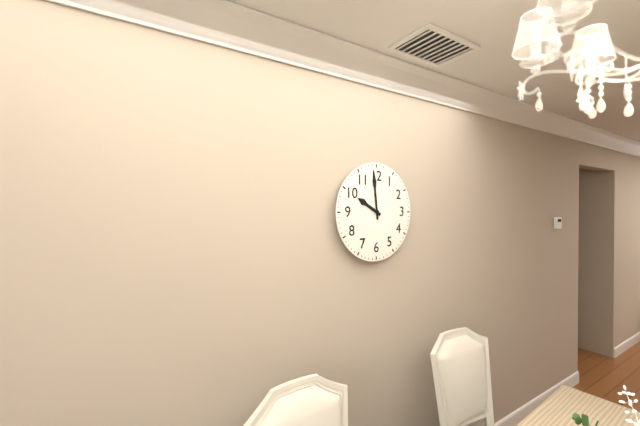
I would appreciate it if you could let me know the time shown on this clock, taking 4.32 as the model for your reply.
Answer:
9.59
